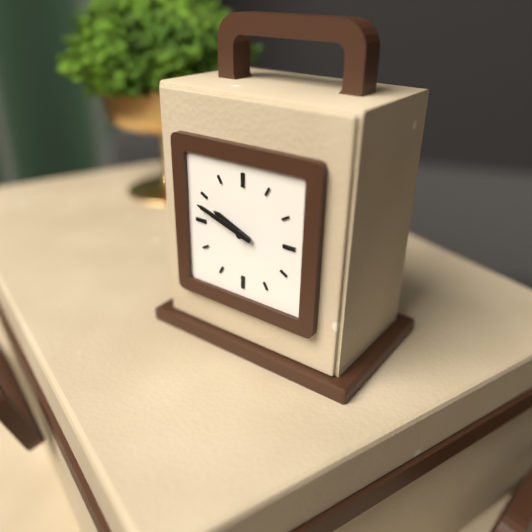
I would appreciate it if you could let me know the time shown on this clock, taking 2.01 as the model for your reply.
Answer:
9.48
